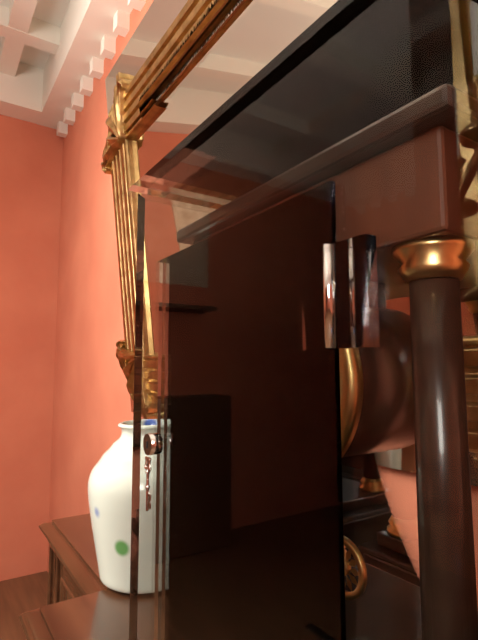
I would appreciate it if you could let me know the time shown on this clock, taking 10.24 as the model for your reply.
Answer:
9.02
